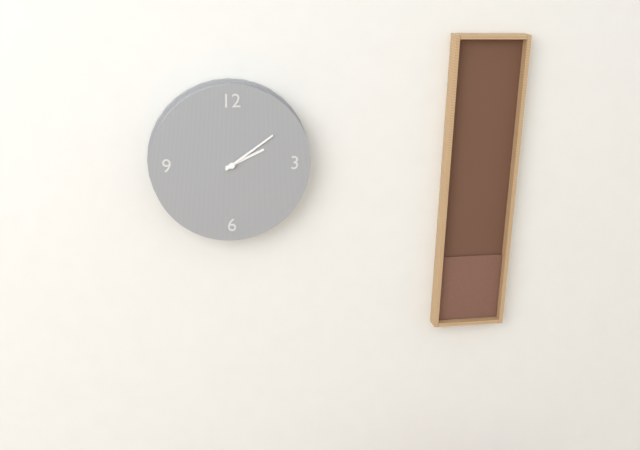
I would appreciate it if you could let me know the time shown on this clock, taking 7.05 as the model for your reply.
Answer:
2.09
